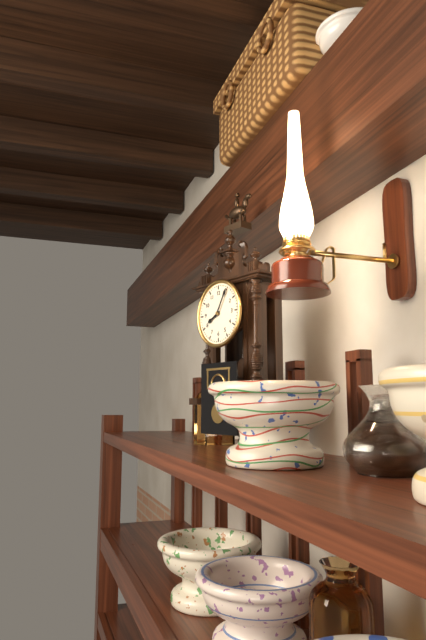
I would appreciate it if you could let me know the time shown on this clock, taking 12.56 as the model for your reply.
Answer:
8.05
